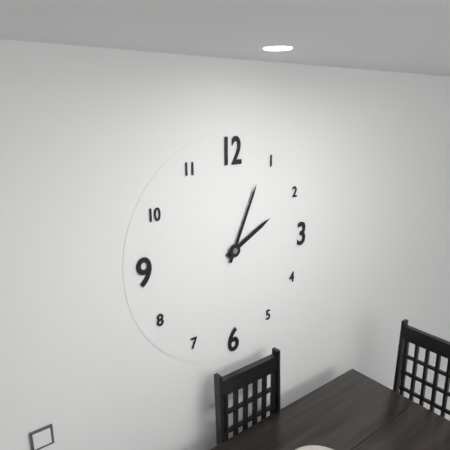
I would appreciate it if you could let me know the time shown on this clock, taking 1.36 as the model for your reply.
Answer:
2.04
